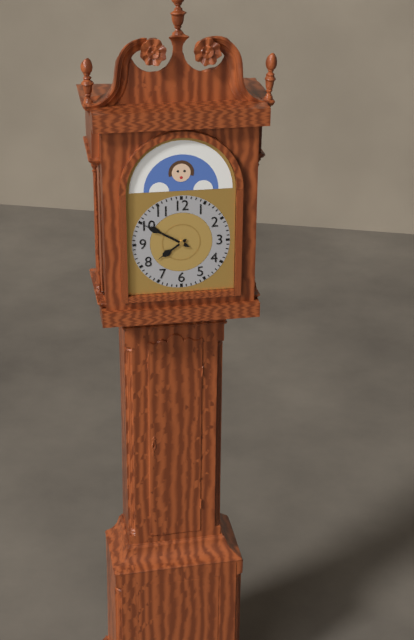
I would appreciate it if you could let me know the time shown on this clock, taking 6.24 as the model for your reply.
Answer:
7.50
